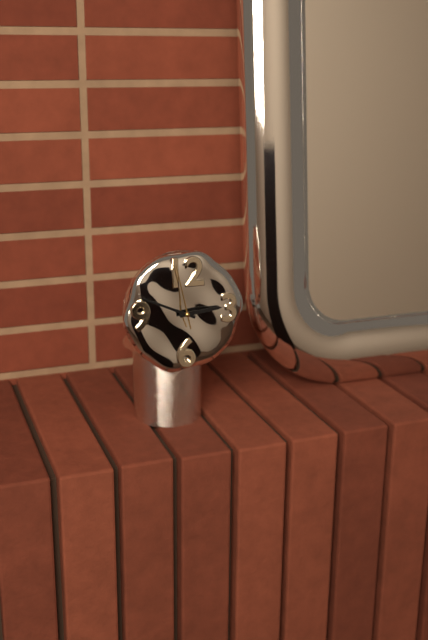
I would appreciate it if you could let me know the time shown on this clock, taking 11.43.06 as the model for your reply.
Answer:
2.49.58
